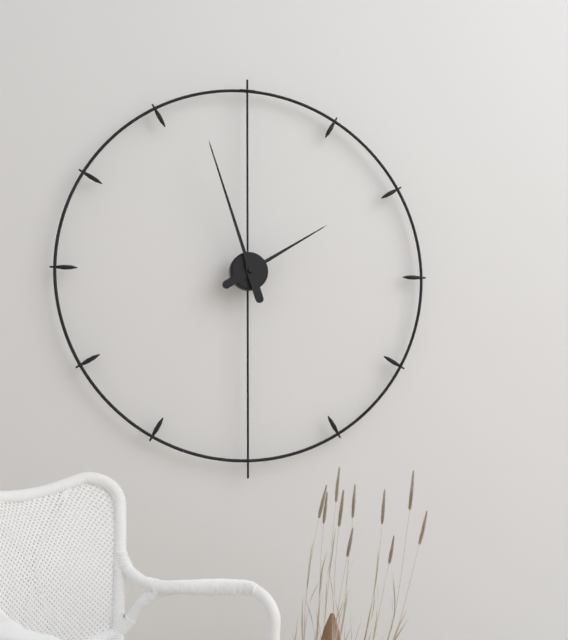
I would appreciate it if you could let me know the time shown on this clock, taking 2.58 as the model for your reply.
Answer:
1.57
